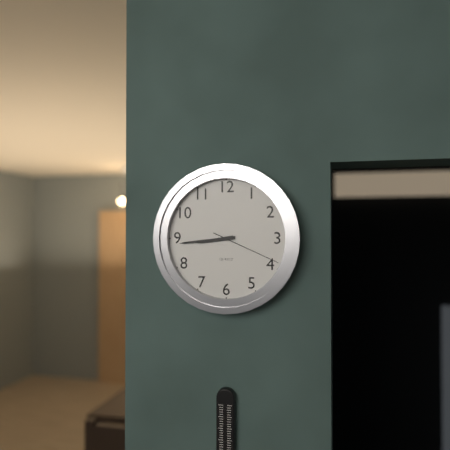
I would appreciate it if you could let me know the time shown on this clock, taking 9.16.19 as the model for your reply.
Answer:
8.44.19
